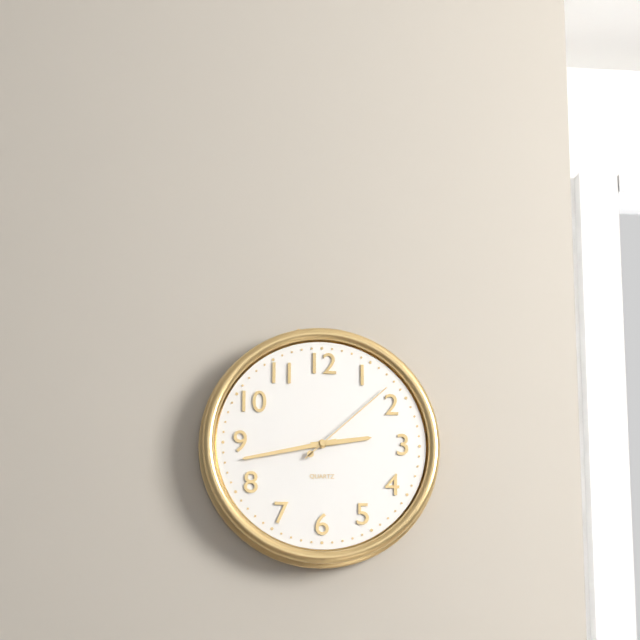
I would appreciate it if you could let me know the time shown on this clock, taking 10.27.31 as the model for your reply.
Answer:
2.43.08
